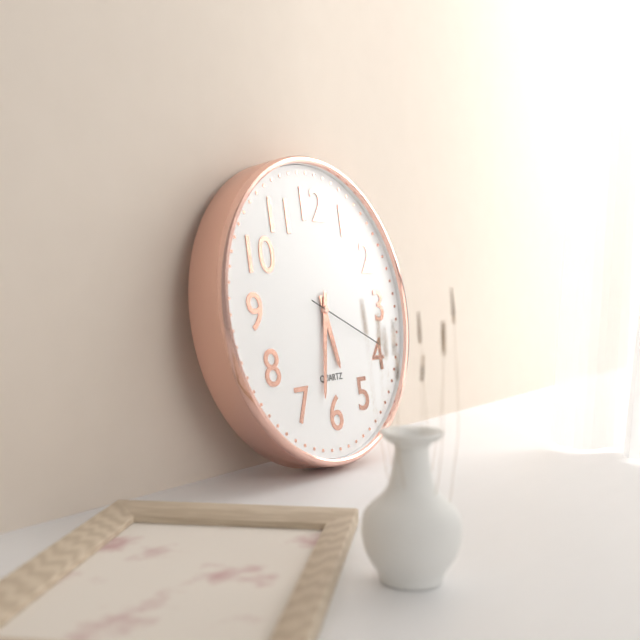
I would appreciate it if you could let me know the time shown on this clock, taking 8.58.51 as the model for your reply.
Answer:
5.32.19
